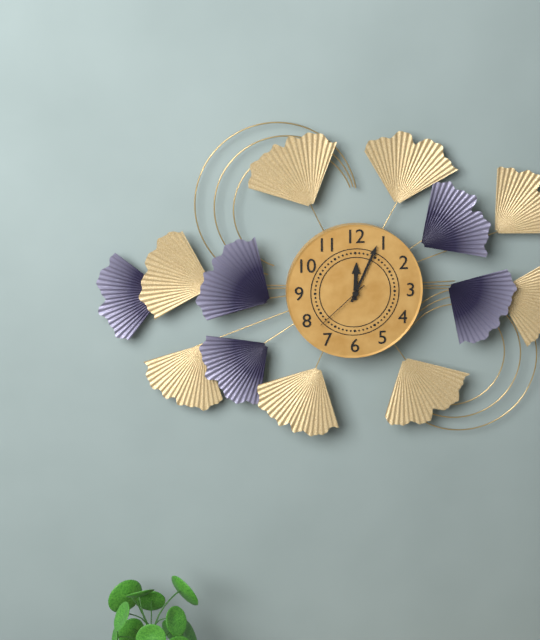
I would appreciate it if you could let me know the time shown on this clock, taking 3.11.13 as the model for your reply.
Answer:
12.04.38
